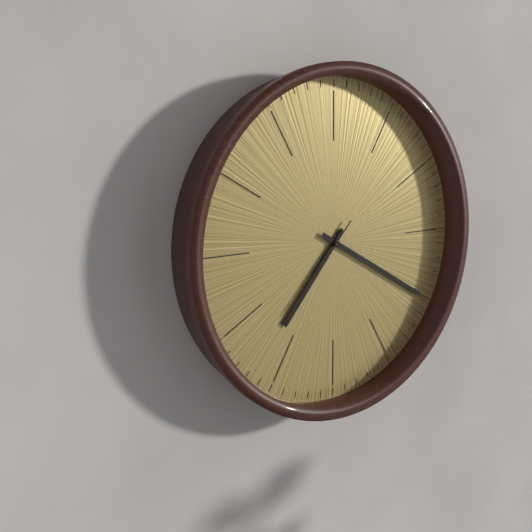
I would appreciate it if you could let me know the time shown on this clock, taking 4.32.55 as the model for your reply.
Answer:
7.20.37
